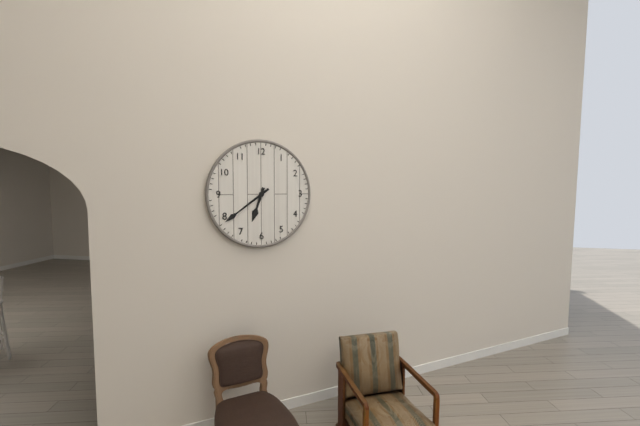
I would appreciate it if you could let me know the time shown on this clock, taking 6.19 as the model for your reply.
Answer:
6.39
